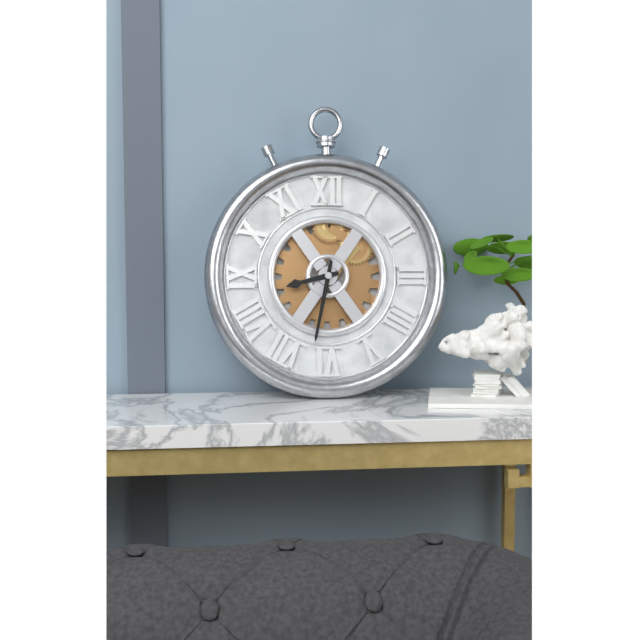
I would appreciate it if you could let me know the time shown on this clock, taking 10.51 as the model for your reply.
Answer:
8.32
